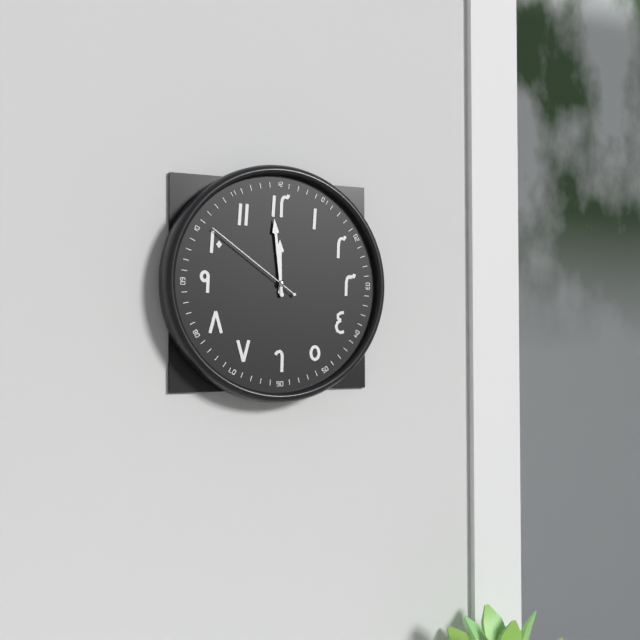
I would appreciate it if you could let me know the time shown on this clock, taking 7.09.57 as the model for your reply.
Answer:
11.59.51
